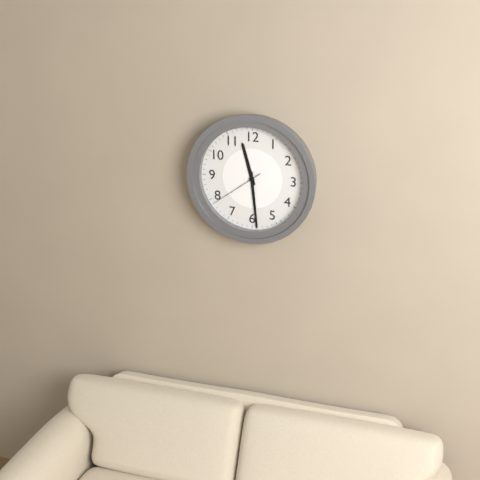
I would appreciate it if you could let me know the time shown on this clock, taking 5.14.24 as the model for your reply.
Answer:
11.29.39
